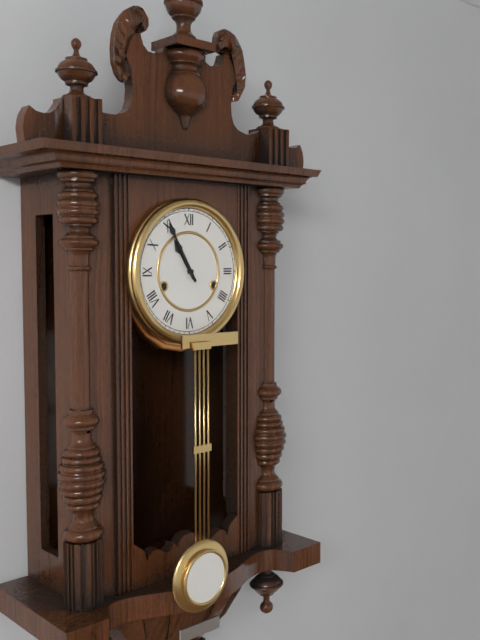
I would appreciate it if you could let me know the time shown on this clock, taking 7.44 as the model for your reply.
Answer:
10.55
